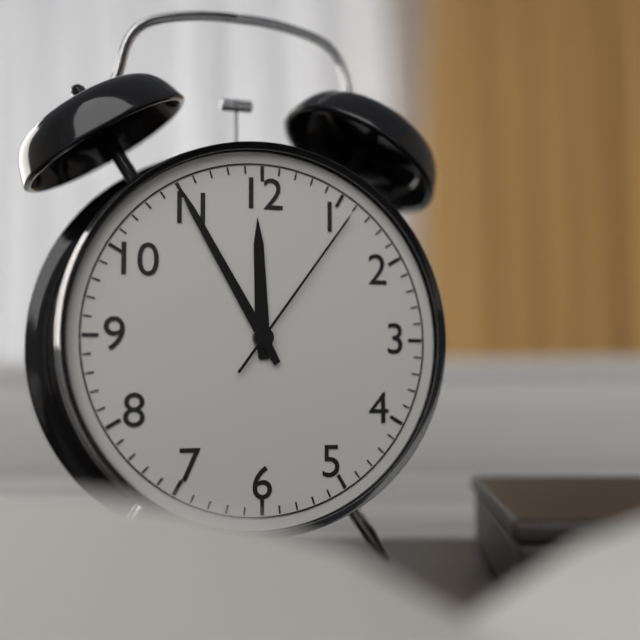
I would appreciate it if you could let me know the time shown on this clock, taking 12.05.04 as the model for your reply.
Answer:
11.55.06
